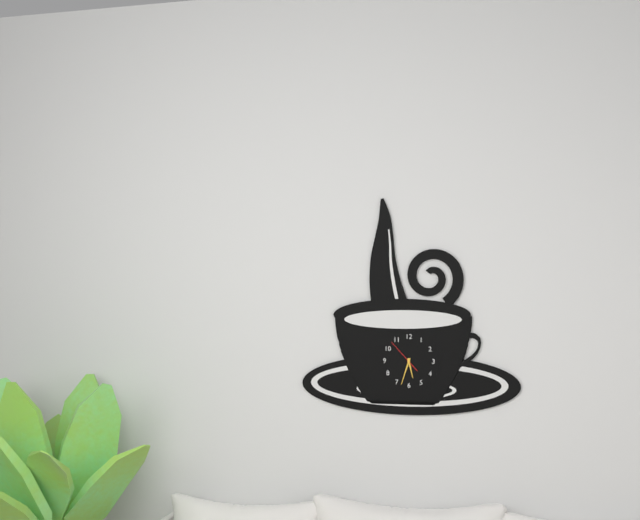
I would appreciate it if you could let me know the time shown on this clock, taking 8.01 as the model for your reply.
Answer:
5.33
